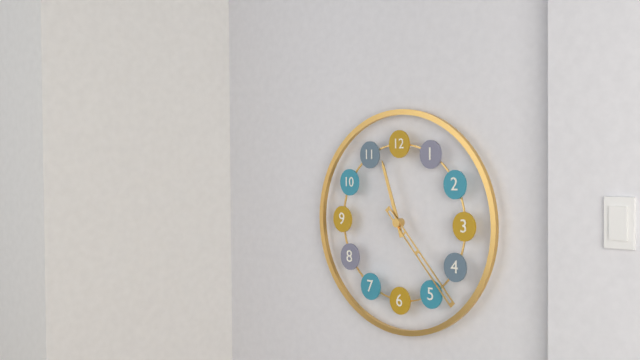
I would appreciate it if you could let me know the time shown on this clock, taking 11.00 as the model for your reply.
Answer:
11.23
